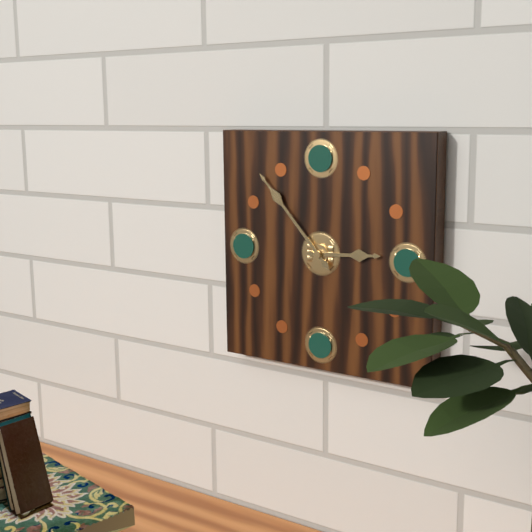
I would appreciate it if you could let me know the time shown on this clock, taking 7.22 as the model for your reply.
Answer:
2.53
